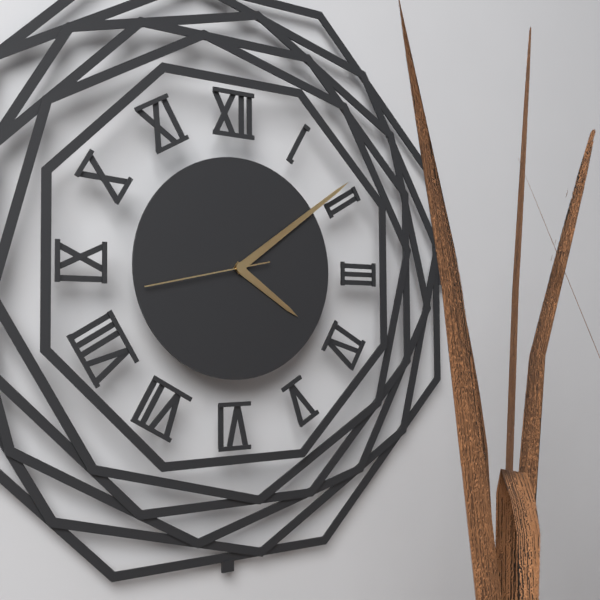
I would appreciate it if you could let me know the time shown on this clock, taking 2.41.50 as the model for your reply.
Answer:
4.09.43
